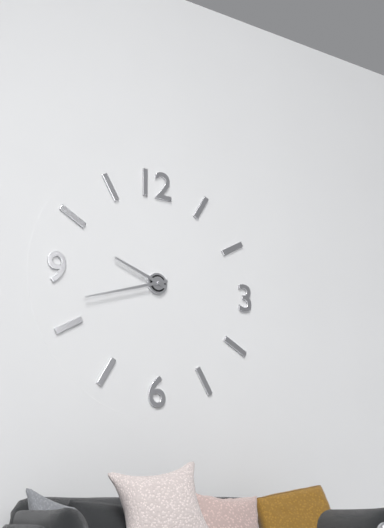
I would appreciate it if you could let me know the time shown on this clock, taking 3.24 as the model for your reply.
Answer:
9.42
